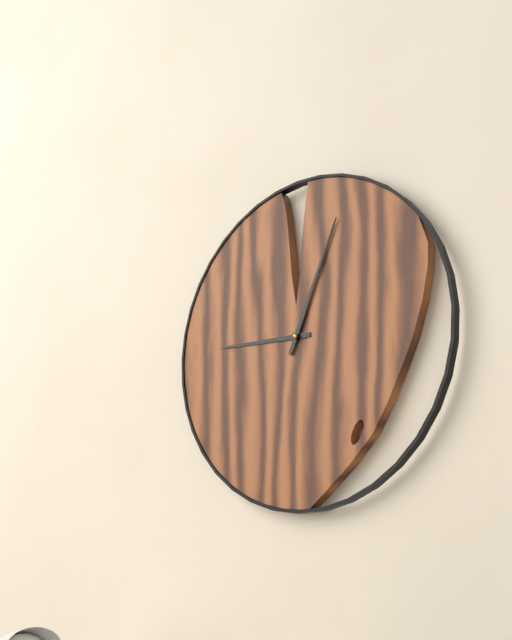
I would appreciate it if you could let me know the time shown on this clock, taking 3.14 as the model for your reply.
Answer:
9.04
